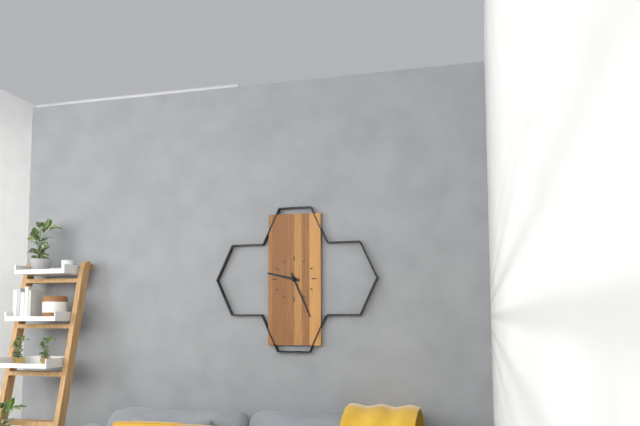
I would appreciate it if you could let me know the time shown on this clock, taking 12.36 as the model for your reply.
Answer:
9.26
